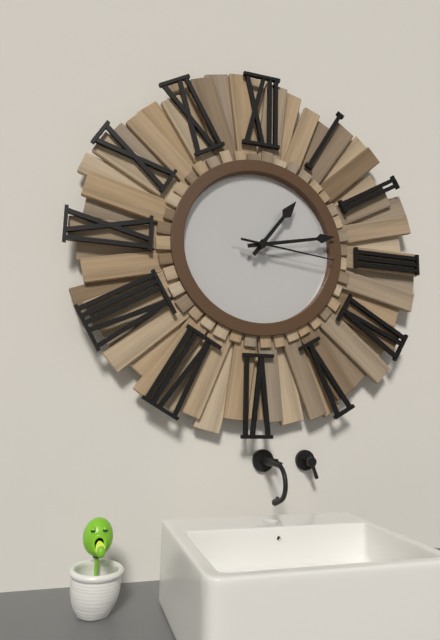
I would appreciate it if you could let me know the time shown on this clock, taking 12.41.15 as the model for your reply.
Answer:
1.13.16
